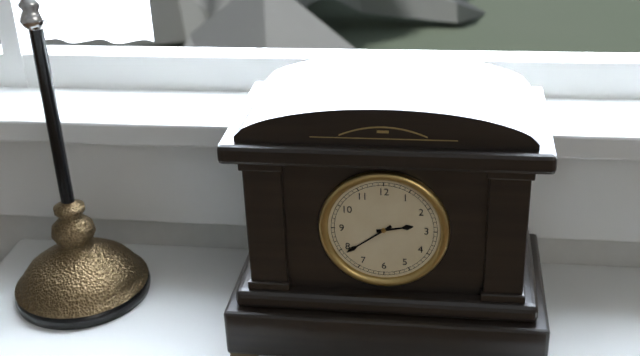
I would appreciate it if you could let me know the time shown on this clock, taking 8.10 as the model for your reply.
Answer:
2.39
